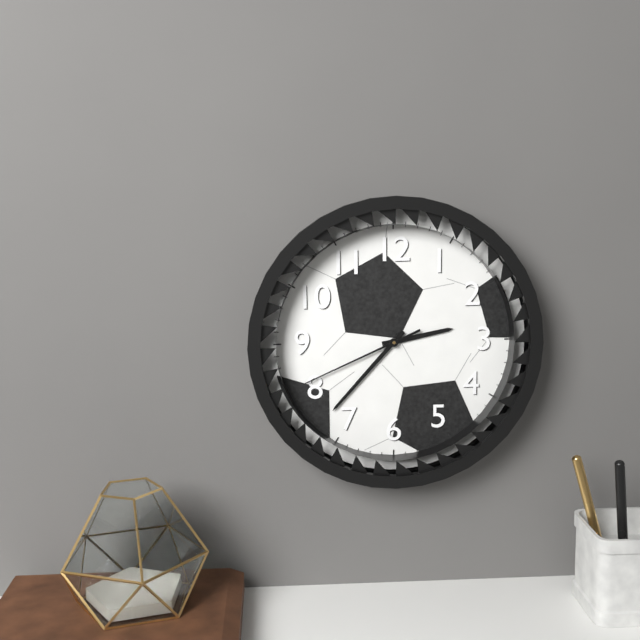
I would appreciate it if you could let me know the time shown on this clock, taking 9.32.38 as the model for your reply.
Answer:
2.37.41
